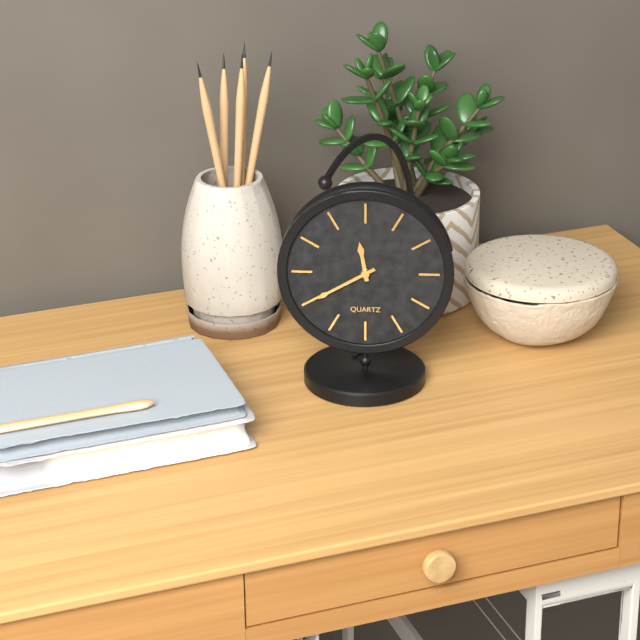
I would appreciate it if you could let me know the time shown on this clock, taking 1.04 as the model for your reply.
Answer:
11.40
